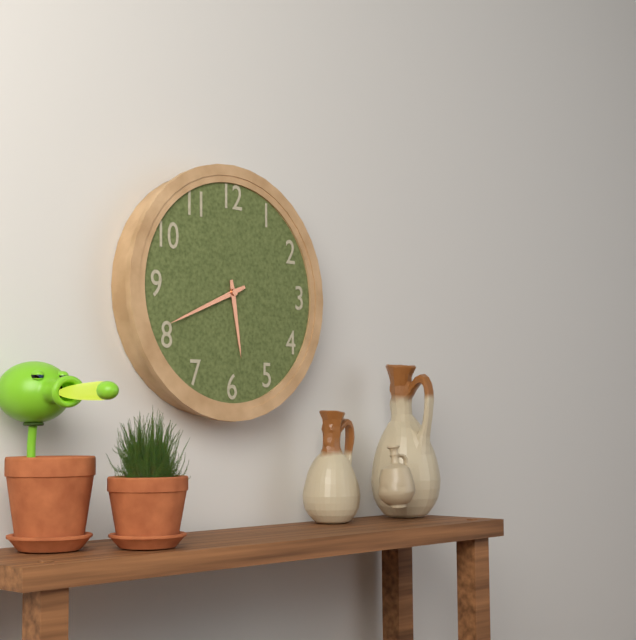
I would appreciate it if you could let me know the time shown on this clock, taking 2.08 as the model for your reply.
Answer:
5.41
